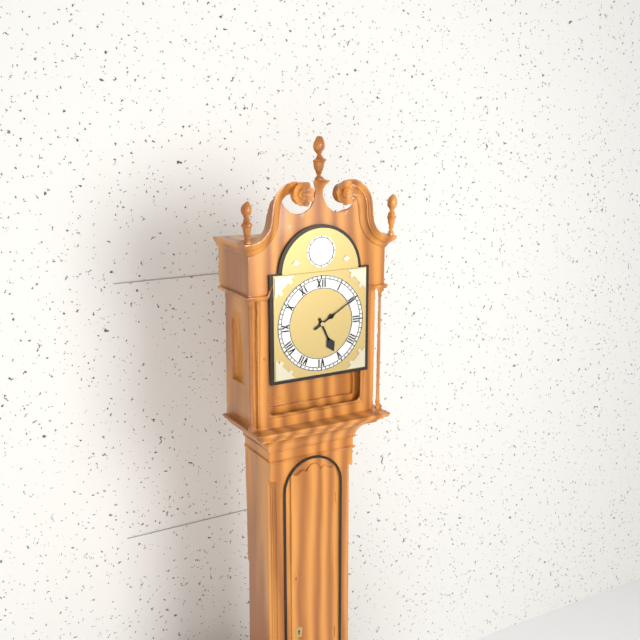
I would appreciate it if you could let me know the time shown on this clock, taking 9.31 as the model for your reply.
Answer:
5.10
